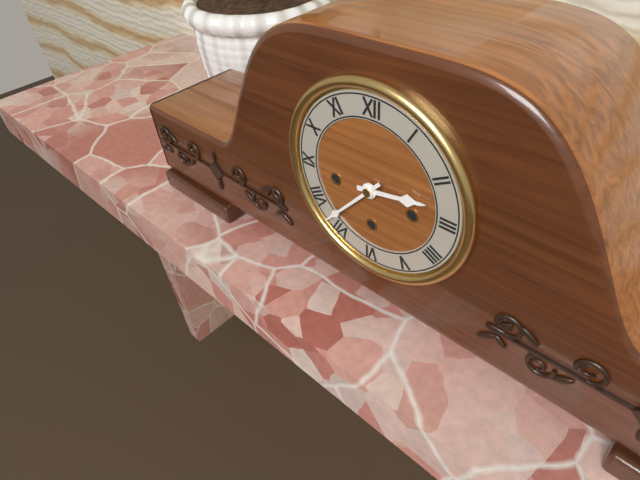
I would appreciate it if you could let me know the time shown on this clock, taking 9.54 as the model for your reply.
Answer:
2.37
